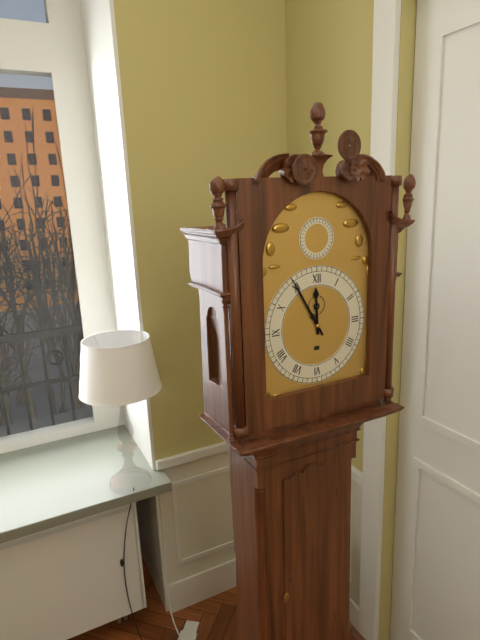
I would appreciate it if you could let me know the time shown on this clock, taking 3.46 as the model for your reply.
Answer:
11.55
